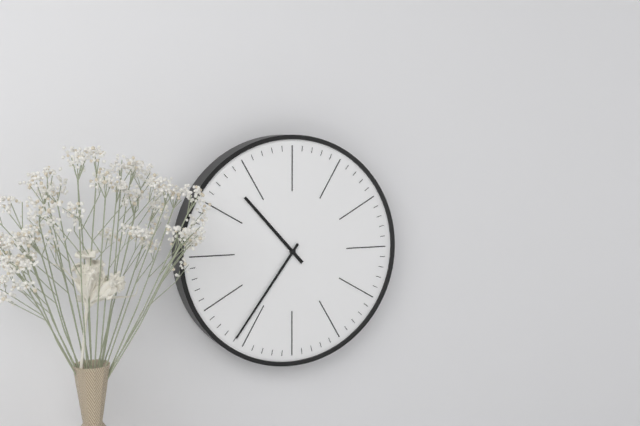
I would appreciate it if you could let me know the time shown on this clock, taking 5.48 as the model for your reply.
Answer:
10.36
